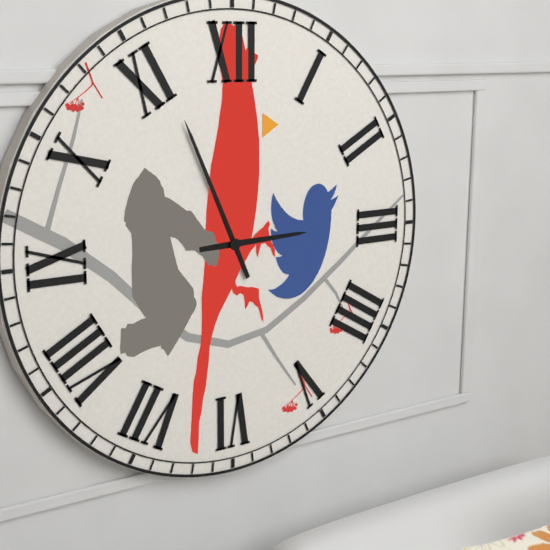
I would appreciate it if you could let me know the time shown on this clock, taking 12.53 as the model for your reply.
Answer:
2.56
